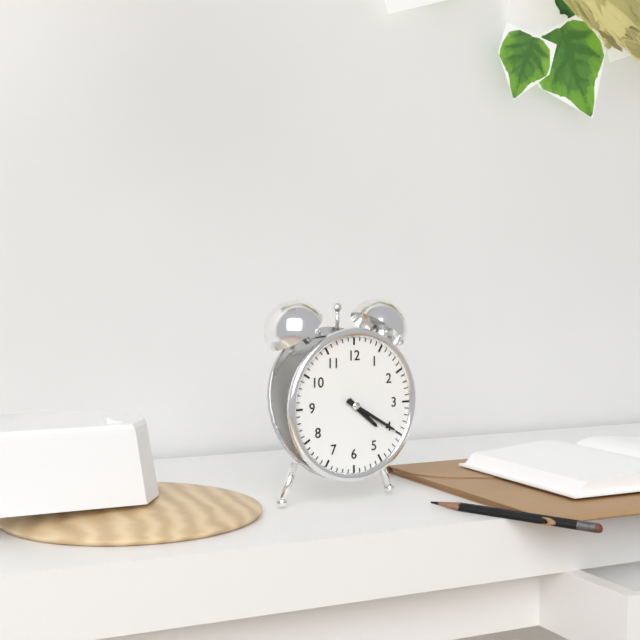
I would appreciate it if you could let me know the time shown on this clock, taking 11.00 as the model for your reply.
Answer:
4.20
